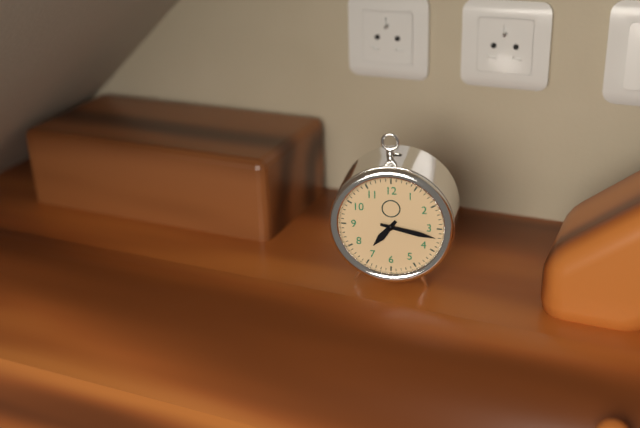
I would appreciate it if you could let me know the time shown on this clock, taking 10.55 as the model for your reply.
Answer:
7.17
